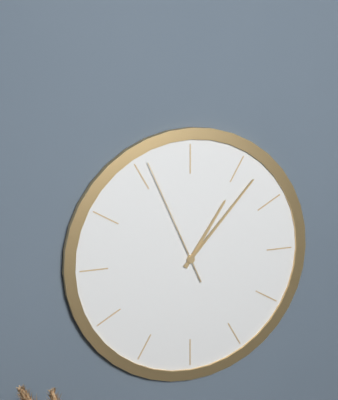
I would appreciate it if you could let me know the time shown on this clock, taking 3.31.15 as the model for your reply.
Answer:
1.07.56
